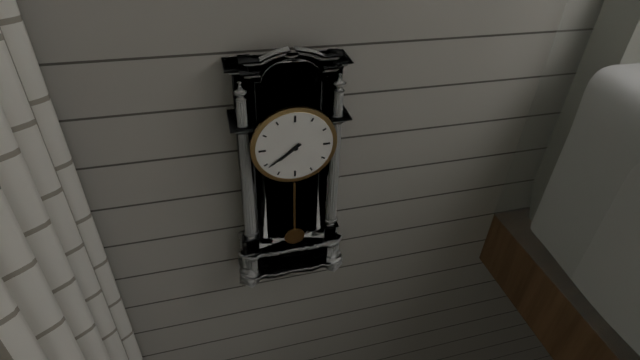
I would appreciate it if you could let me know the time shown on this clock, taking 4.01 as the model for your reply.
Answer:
7.39
